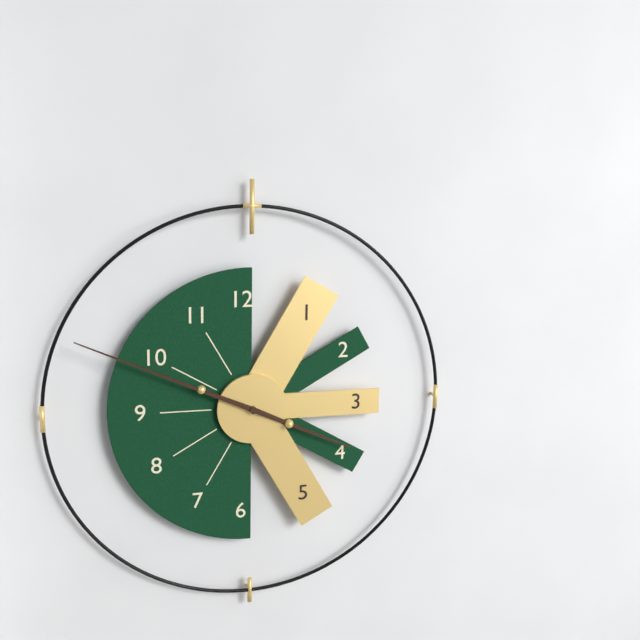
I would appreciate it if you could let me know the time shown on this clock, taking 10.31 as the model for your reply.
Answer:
3.49
